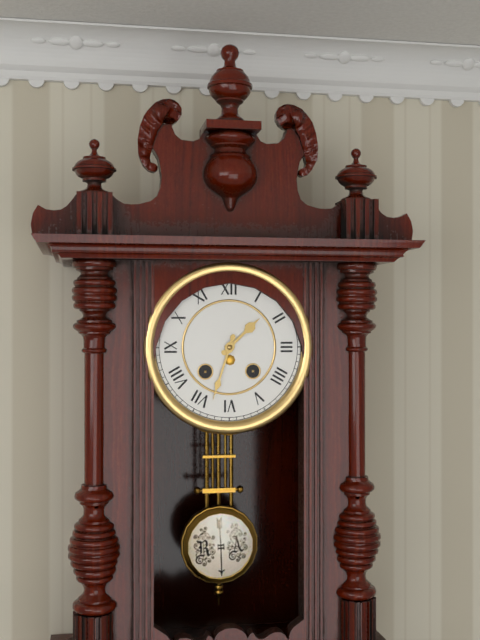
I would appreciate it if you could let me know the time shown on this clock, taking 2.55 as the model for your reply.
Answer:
1.33
